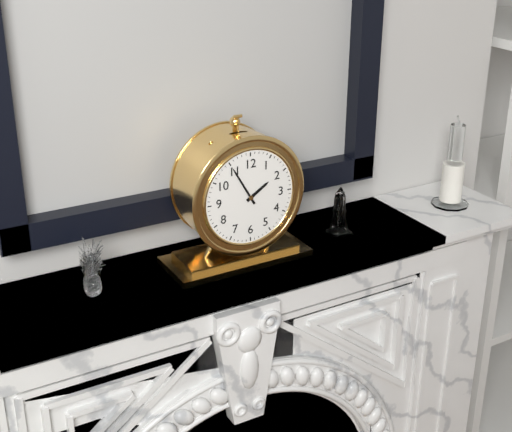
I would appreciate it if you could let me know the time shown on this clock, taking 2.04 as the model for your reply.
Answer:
1.55
